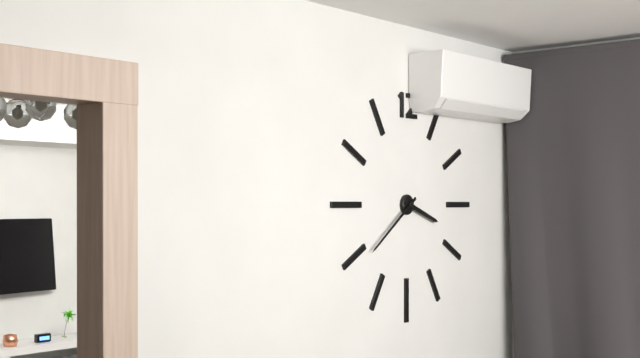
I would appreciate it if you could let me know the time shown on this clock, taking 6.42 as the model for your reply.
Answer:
3.39
